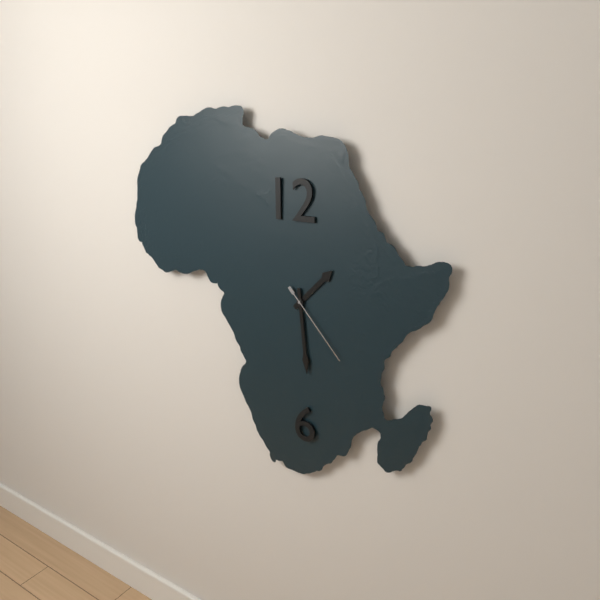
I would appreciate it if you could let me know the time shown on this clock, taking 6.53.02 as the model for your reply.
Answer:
1.29.23
